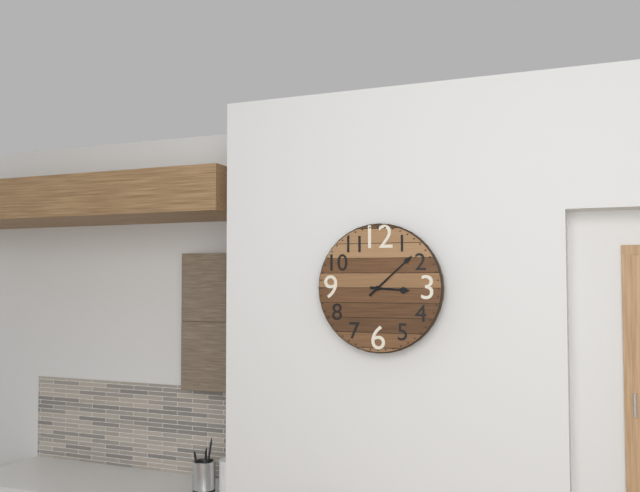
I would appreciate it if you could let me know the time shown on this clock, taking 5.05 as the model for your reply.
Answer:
3.08
